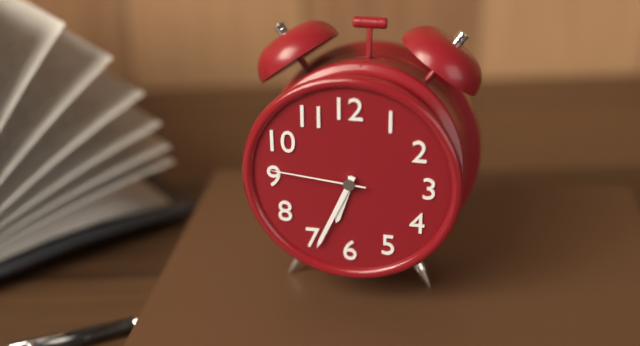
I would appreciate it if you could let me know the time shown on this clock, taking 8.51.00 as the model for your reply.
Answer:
6.34.46
